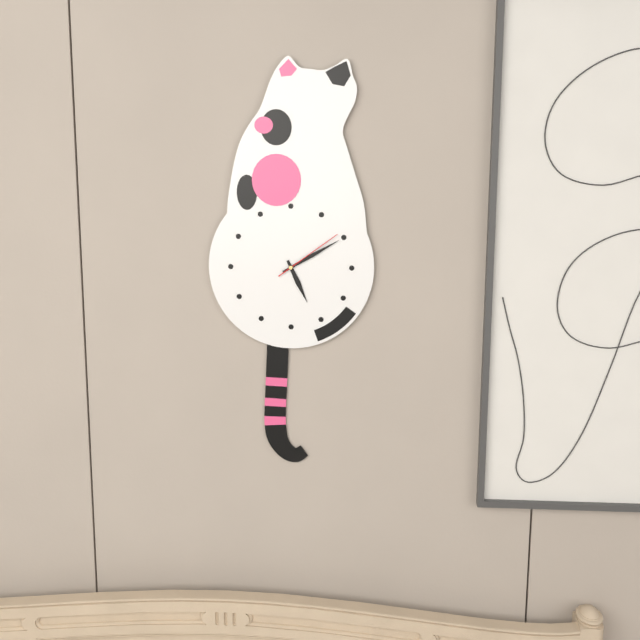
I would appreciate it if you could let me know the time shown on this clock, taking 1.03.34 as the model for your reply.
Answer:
5.10.09
